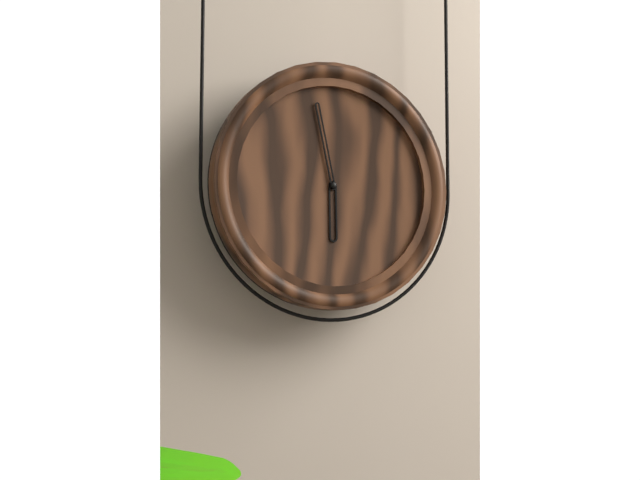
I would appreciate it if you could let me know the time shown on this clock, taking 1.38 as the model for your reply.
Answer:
5.58
